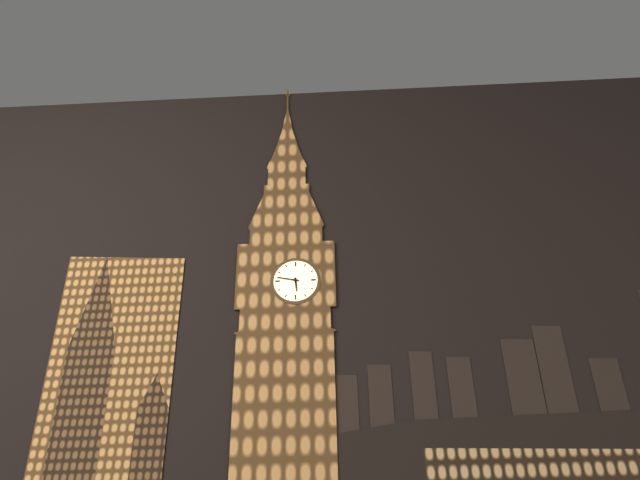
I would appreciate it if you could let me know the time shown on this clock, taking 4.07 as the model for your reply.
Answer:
5.47
